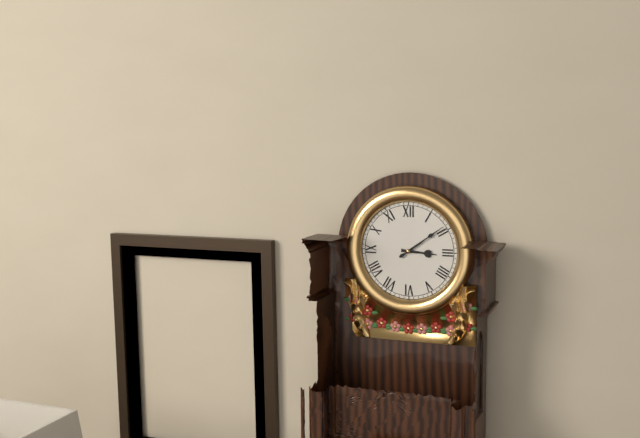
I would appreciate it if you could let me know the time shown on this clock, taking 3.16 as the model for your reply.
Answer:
3.09
